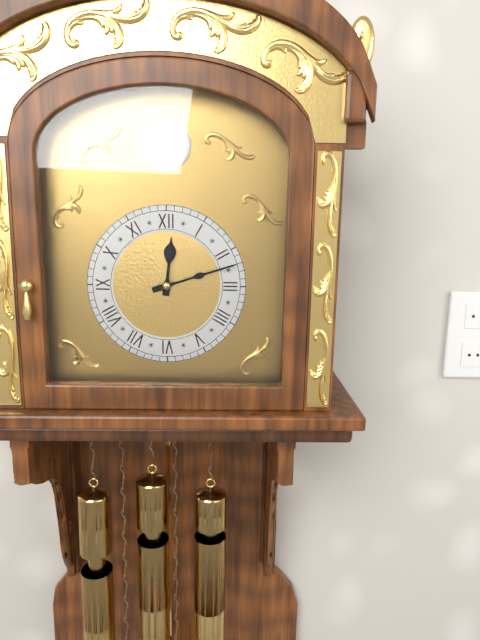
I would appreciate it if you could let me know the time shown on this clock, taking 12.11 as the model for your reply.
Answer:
12.12
